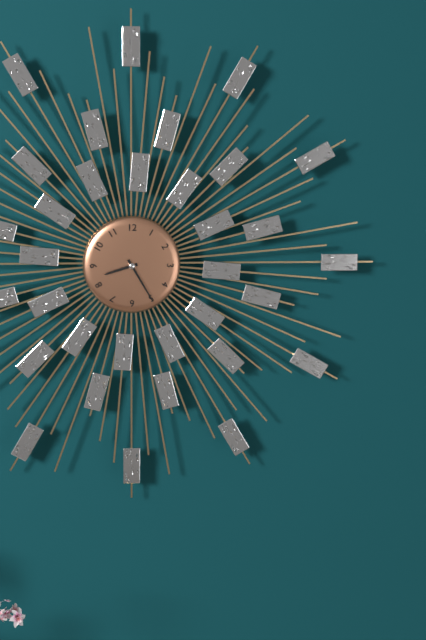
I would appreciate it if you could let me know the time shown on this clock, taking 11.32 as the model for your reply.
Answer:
8.25
